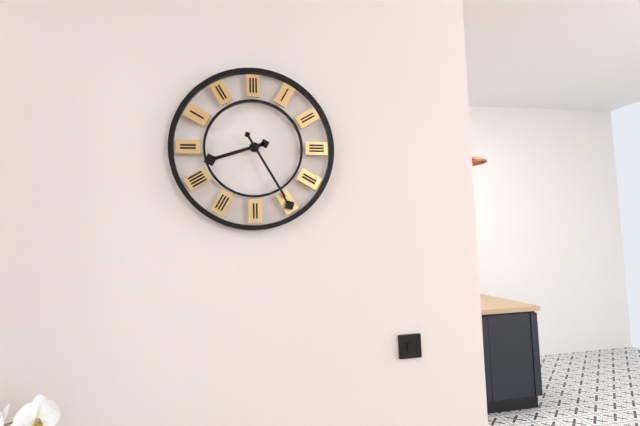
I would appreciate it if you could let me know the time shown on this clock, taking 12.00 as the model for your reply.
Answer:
8.25
